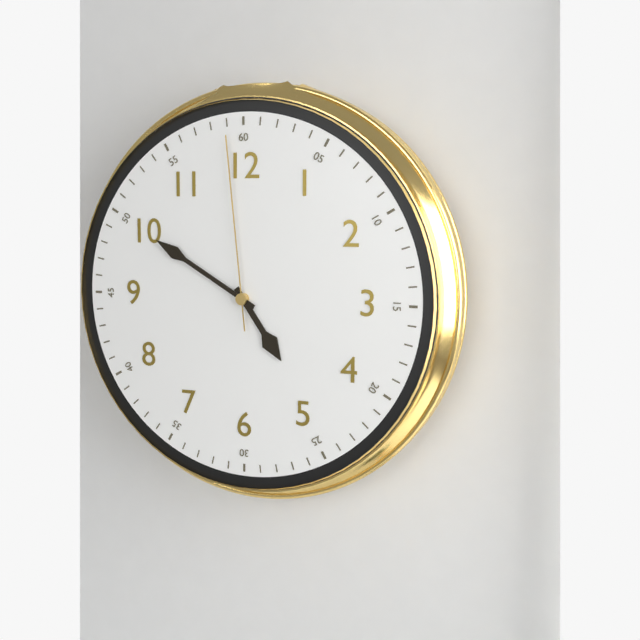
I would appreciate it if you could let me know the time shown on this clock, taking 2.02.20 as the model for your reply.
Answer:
4.50.59
